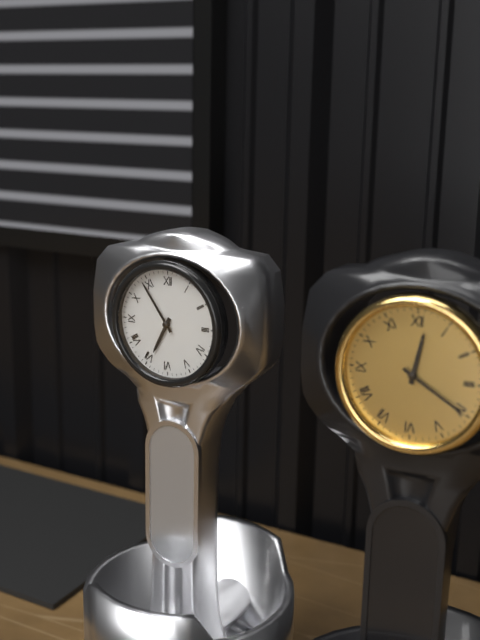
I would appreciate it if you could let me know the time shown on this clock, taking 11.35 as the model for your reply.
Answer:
6.54
